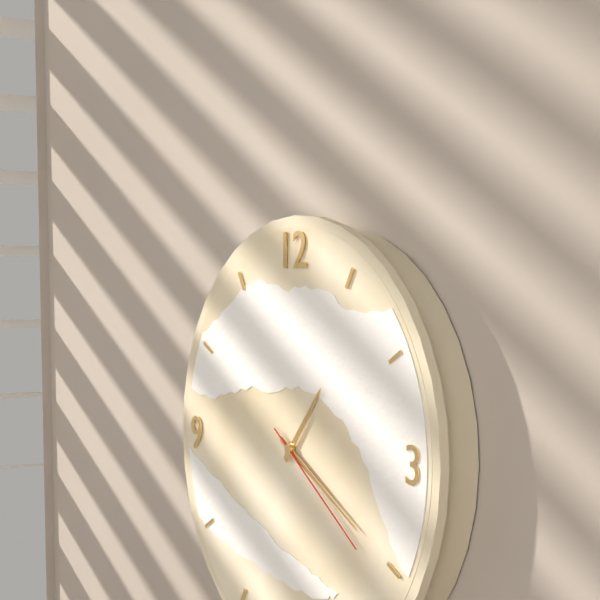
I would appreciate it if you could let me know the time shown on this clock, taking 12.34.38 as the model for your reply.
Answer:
1.20.21
